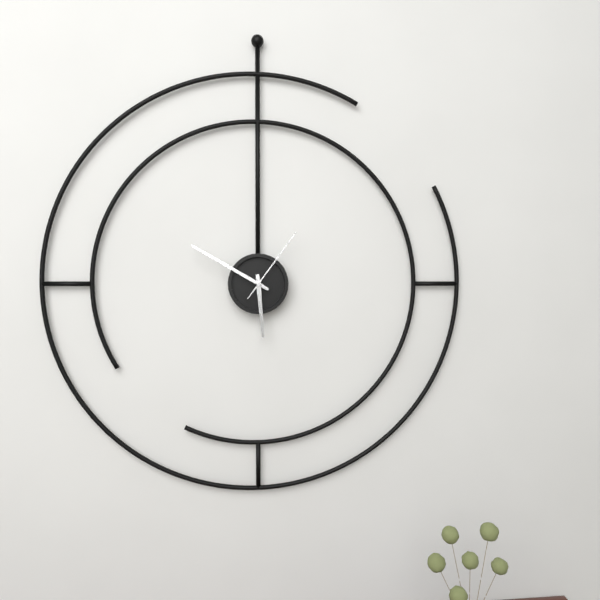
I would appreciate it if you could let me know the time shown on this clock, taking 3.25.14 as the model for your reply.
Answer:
5.50.06
